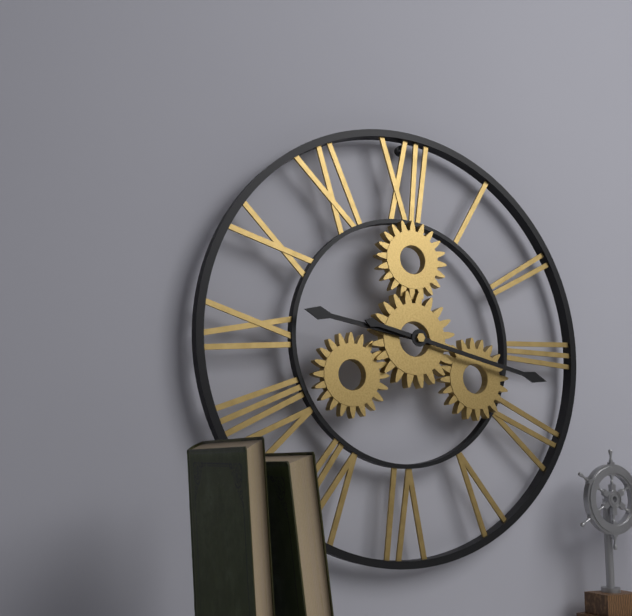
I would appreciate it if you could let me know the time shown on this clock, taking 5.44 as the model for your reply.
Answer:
9.17
